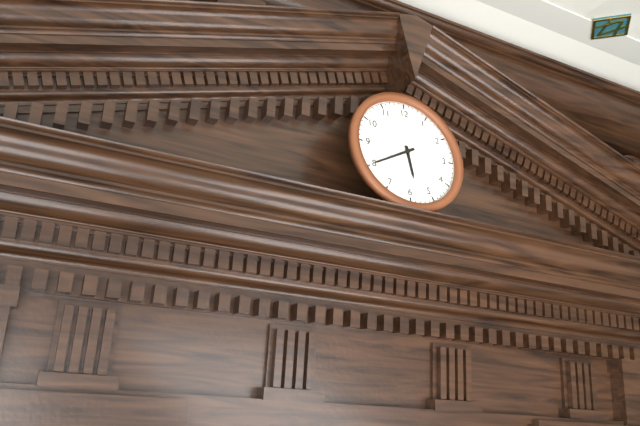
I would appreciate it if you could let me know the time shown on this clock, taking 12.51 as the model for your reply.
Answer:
5.40
